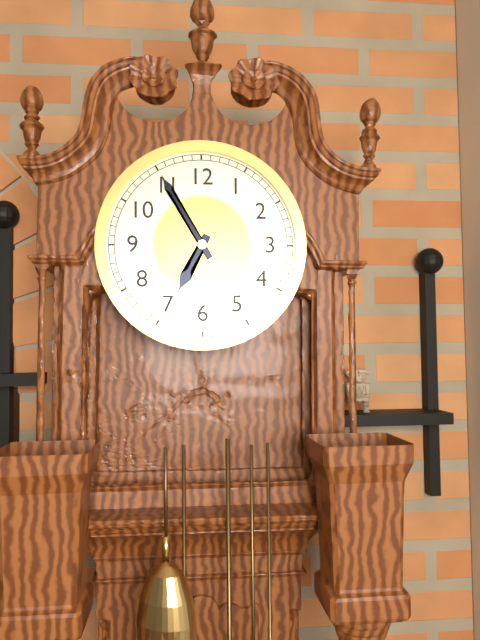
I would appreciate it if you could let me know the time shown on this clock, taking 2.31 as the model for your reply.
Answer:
6.55
